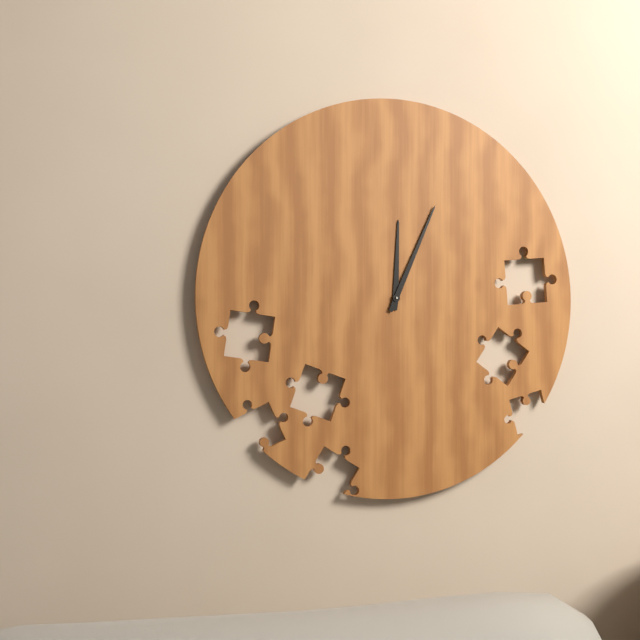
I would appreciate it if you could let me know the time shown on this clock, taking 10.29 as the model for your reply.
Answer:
12.04
